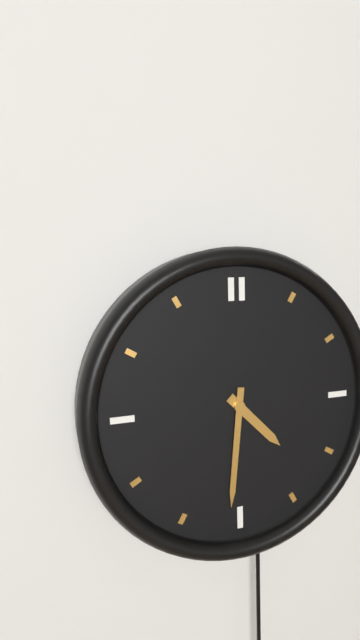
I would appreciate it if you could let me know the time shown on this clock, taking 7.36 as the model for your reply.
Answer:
4.31
